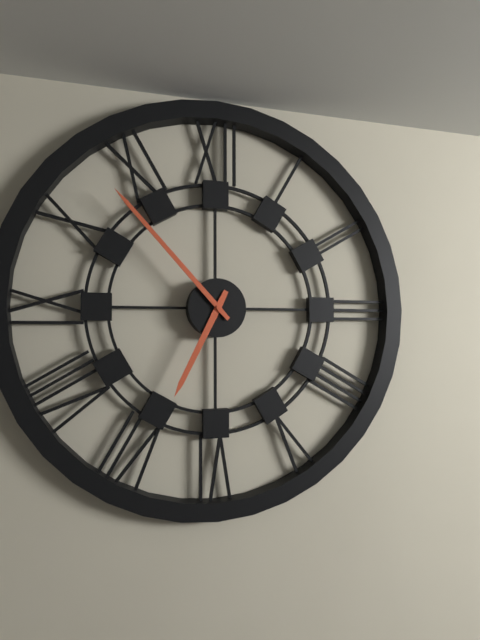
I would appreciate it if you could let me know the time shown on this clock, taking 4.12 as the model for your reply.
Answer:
6.53
